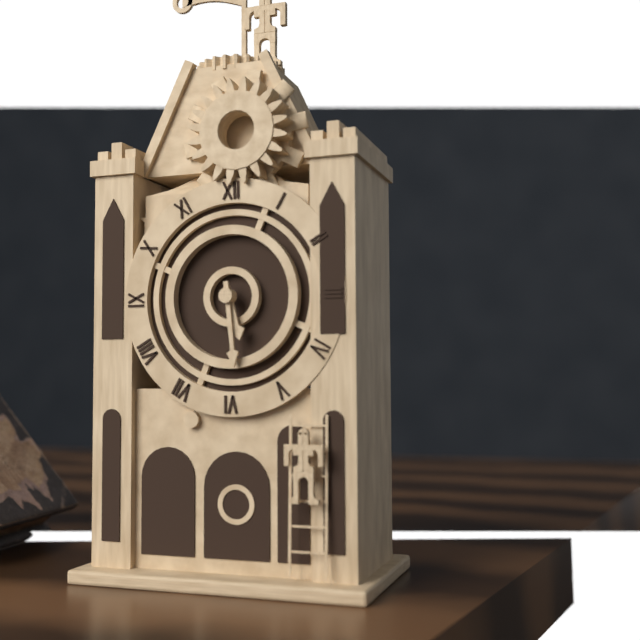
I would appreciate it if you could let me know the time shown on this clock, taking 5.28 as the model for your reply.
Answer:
5.29
